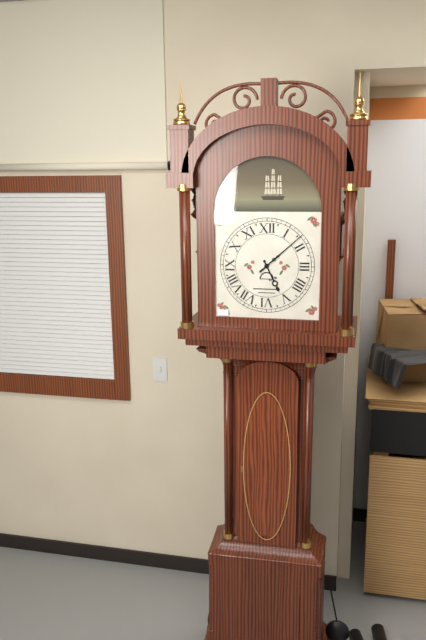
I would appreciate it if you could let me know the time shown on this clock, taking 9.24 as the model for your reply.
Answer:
5.08
